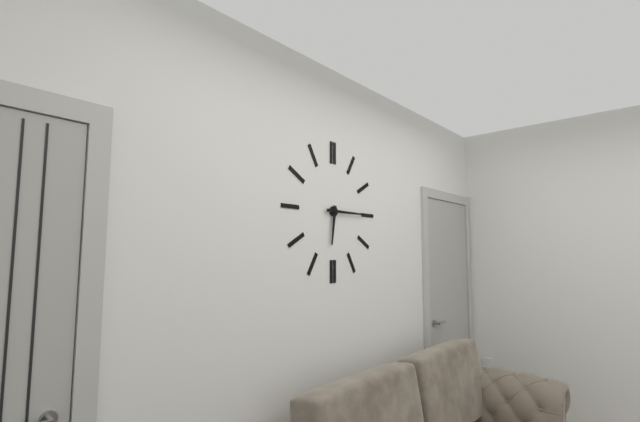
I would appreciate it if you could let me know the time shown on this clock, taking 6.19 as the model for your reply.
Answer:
6.15
